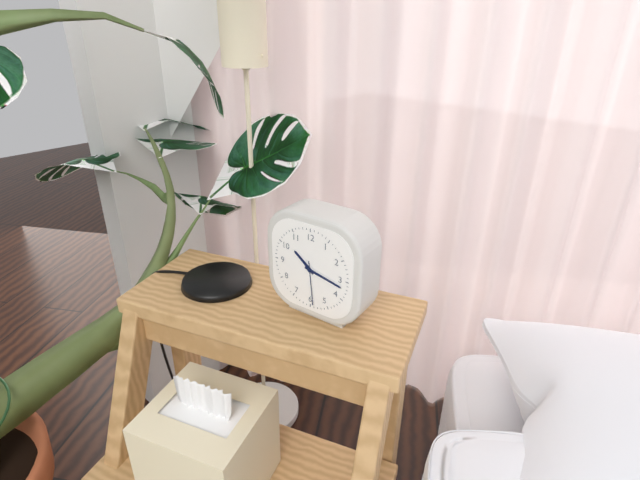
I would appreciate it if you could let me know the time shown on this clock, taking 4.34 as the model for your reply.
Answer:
10.17
